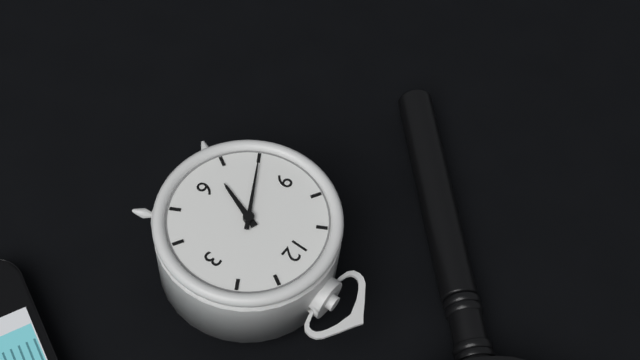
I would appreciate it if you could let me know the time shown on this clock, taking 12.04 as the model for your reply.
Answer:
6.40
